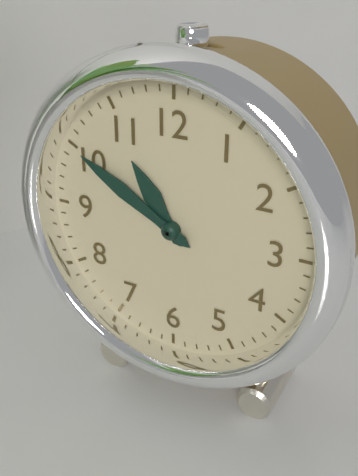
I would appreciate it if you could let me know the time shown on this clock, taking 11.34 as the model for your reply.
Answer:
10.50
